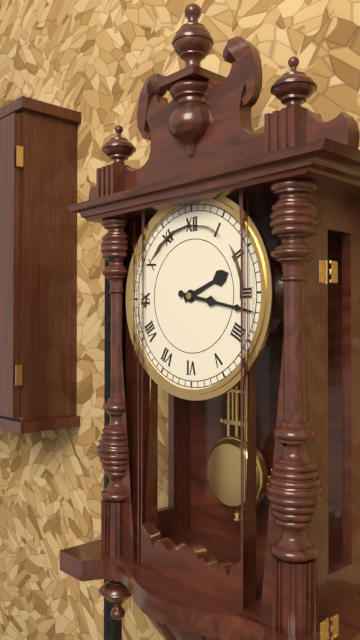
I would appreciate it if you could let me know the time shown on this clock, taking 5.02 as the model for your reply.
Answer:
2.17
